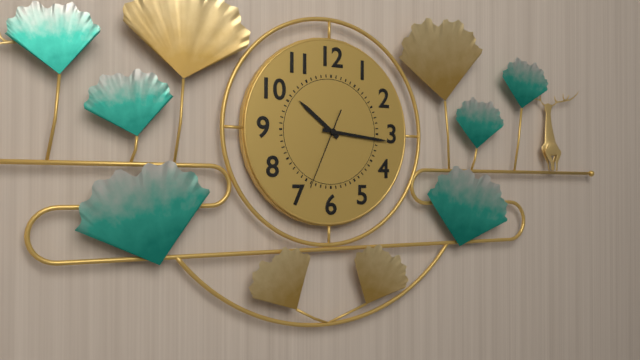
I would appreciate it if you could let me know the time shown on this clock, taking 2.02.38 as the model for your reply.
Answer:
10.16.34
